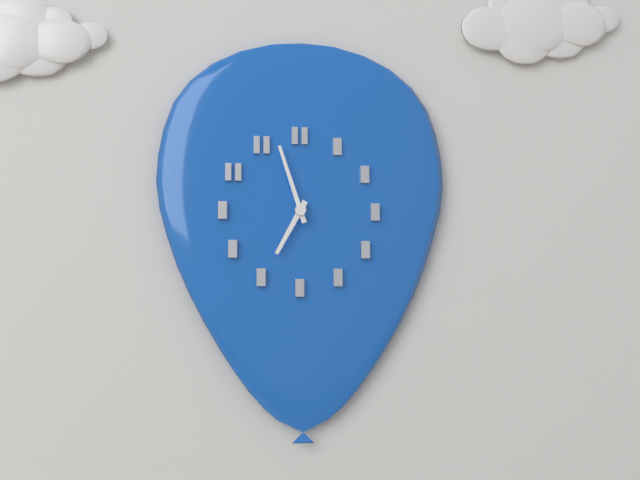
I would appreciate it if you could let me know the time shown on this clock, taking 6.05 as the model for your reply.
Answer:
6.57
